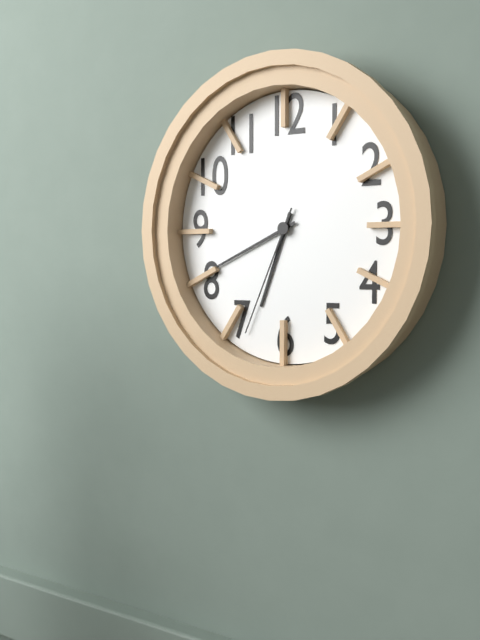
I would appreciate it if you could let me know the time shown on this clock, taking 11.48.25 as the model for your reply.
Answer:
6.41.34
